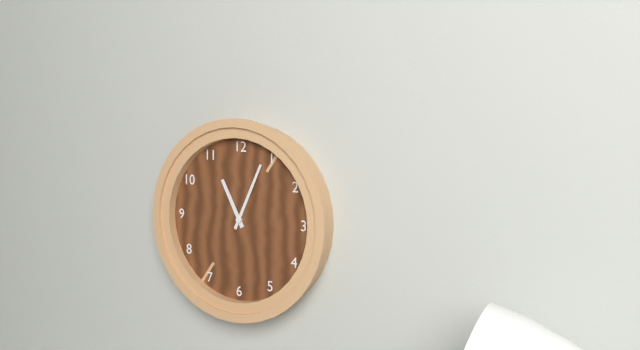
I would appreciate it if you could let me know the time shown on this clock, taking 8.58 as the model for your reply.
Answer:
11.04
